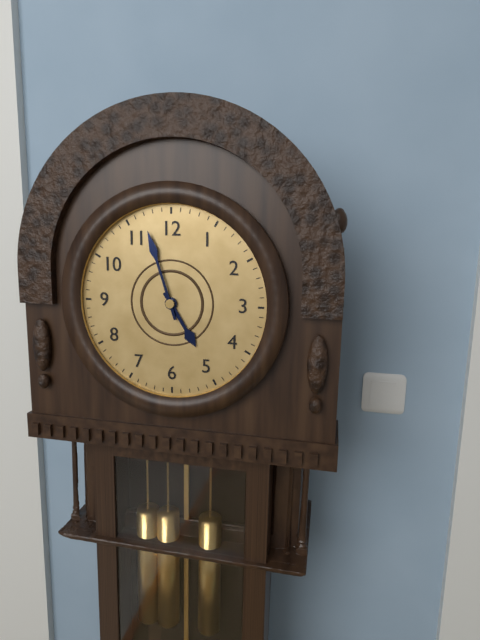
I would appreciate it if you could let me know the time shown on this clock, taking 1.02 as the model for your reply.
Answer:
4.57
